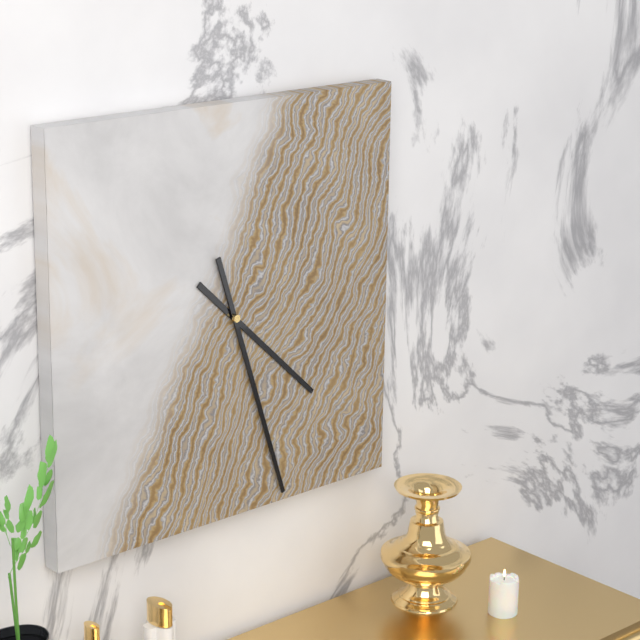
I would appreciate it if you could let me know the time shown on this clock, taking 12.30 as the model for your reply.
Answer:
4.27
